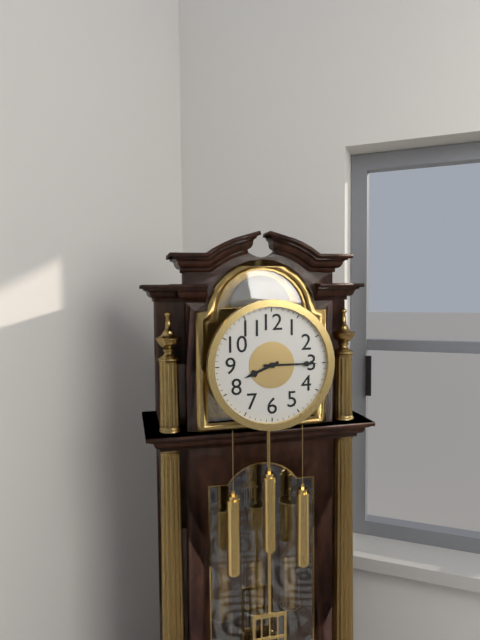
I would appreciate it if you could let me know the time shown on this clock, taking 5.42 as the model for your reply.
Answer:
8.15
